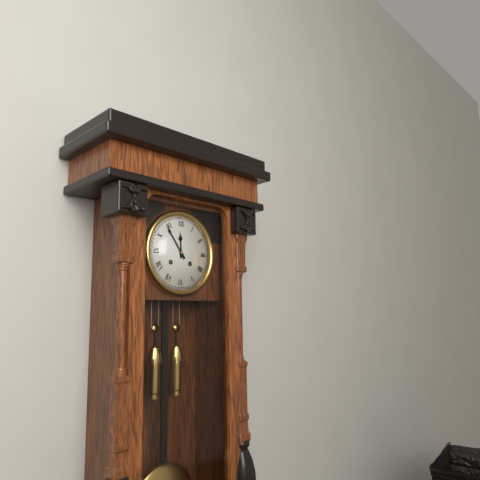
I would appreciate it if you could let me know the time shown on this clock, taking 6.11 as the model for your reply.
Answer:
11.54
